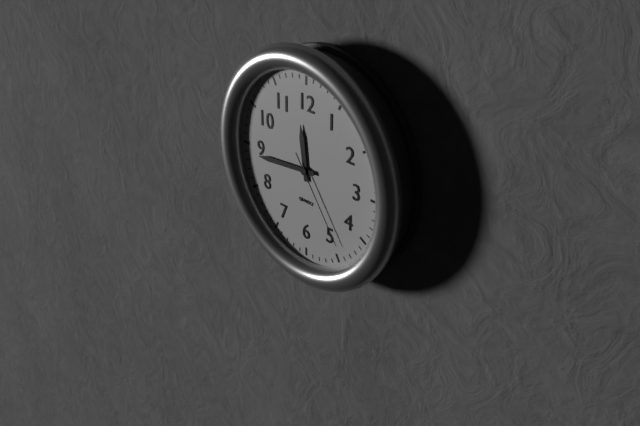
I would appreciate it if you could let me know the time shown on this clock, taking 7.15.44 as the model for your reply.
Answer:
11.44.24
